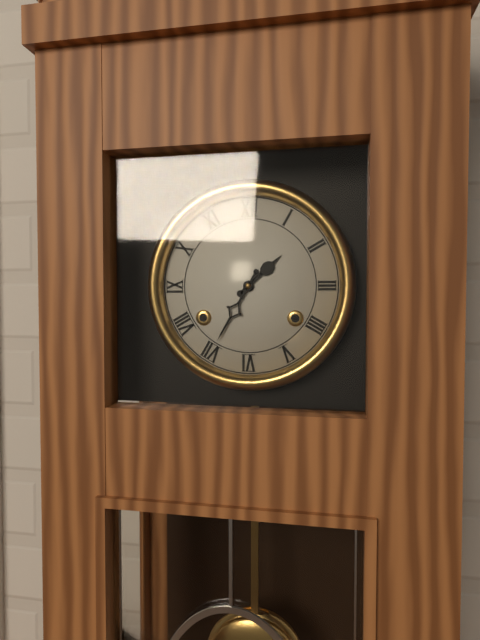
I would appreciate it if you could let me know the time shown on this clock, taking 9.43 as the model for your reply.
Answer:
1.35
